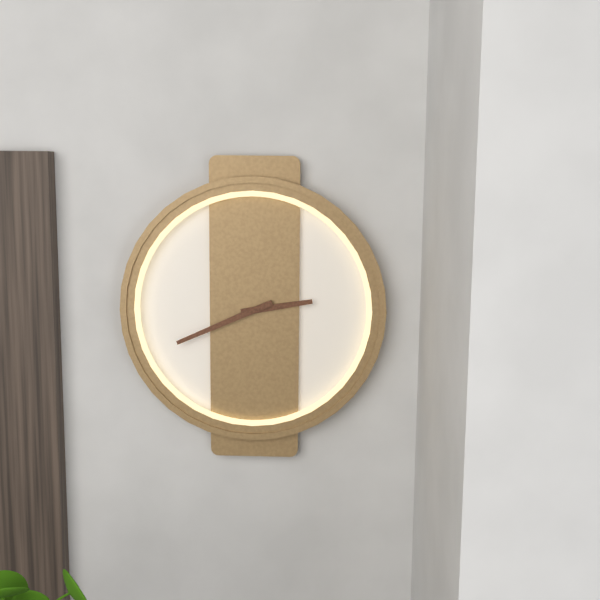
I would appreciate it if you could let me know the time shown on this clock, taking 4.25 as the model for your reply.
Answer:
2.41
